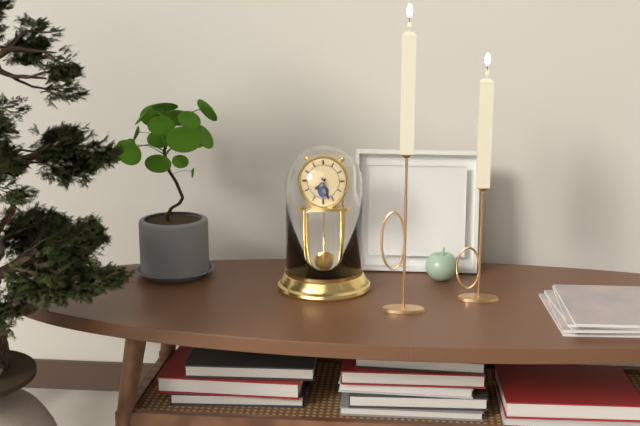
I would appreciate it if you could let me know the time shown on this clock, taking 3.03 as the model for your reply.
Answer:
7.27
